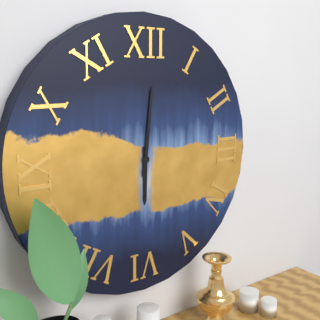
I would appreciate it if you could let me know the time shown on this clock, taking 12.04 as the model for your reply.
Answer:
6.01
